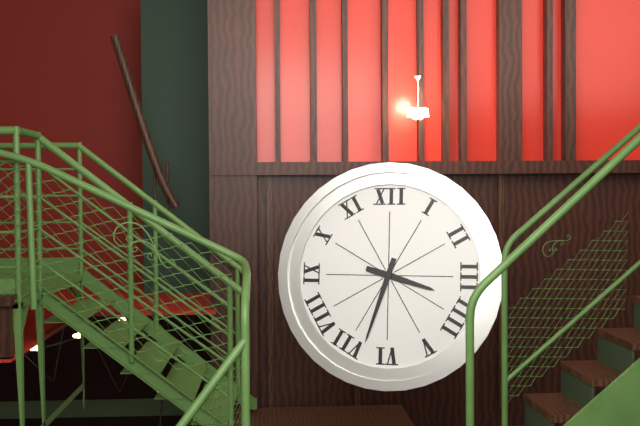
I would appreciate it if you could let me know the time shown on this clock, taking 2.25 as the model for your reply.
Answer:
3.33
